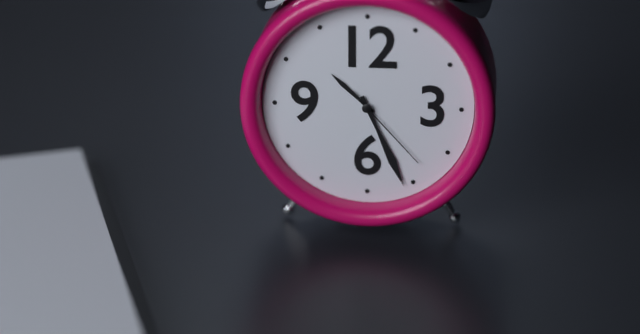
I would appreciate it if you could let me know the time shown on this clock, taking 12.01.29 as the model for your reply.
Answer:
10.26.23
